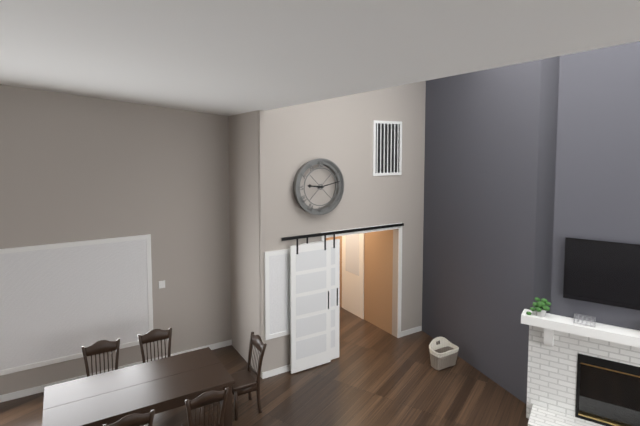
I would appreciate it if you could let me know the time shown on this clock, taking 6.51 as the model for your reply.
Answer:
9.13
